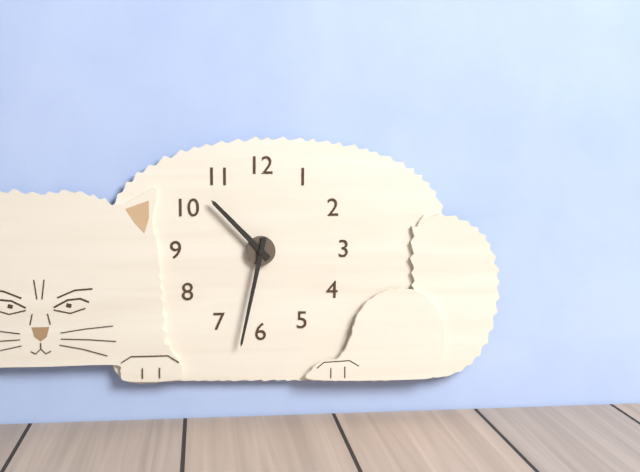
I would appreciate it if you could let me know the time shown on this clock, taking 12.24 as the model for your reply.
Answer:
10.32
